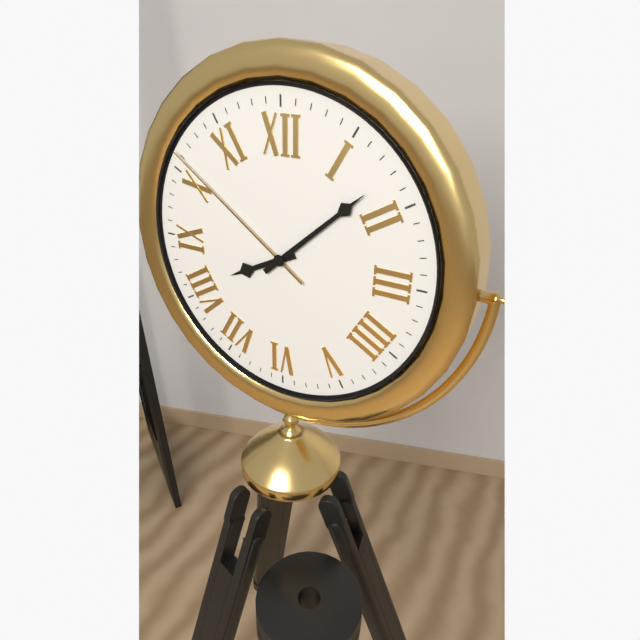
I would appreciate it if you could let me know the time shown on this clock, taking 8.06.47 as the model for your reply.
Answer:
8.08.51
